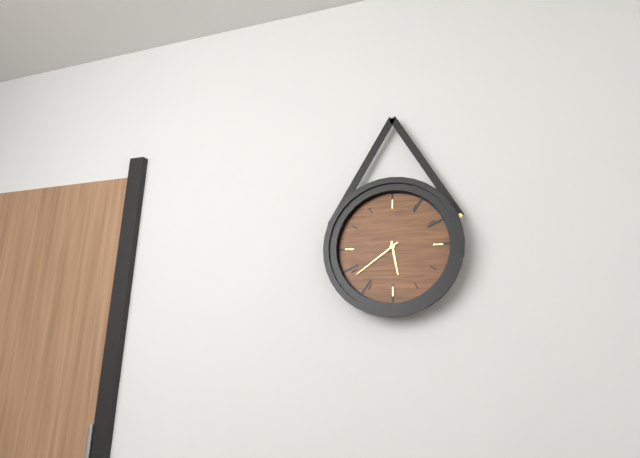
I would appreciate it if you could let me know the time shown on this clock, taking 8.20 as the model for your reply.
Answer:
5.39
